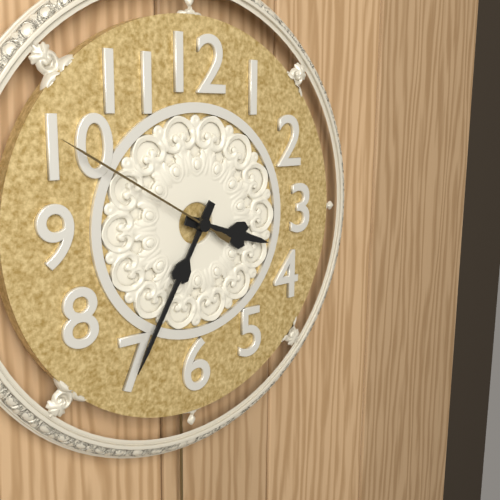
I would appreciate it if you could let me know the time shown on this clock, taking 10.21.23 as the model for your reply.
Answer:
3.35.50
